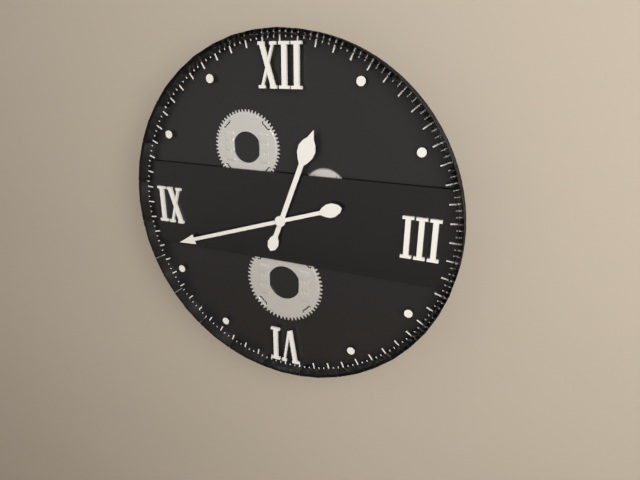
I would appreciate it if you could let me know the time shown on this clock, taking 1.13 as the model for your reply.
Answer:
12.42
